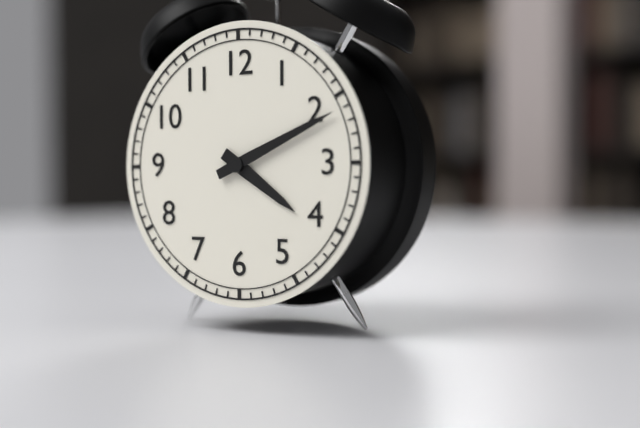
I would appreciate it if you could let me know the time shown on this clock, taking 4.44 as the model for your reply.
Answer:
4.11
